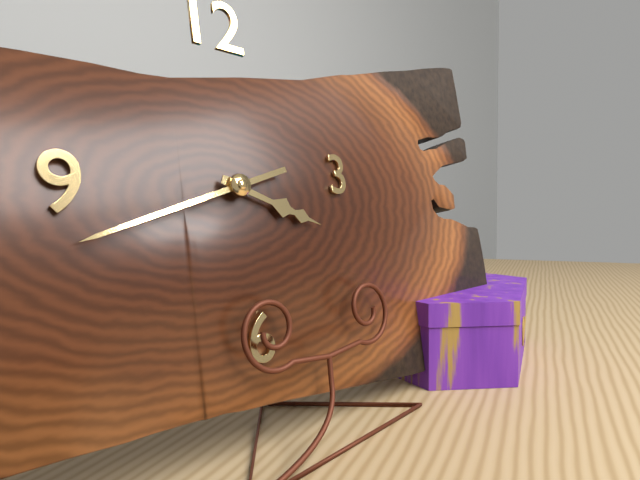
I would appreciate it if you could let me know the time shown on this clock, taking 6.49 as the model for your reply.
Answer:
3.42
